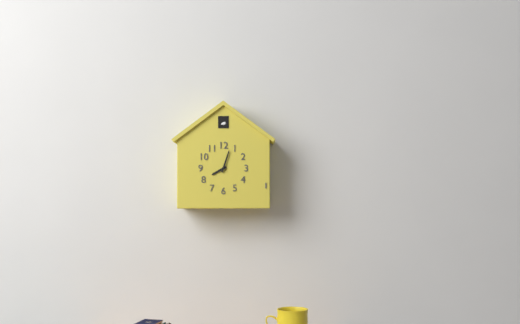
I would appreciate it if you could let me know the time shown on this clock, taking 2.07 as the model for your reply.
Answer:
8.03
